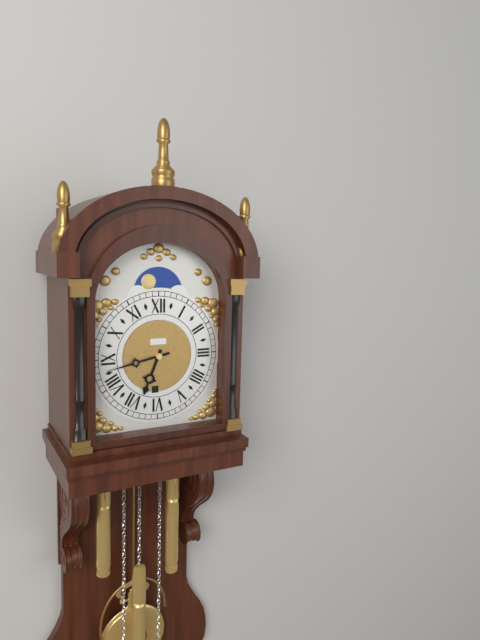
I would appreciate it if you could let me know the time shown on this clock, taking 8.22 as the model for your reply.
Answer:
6.43
